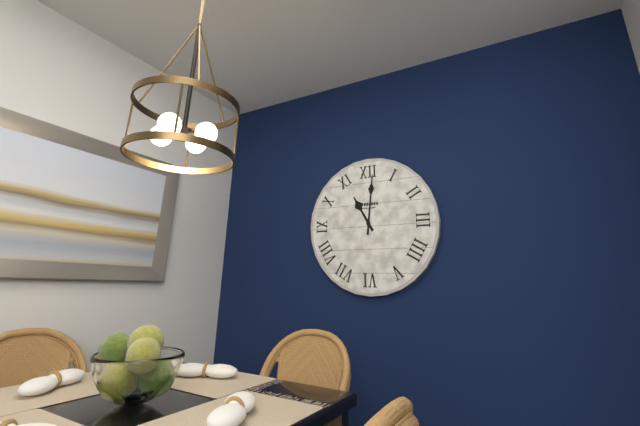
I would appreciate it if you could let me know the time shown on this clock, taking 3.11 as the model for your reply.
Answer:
11.01
